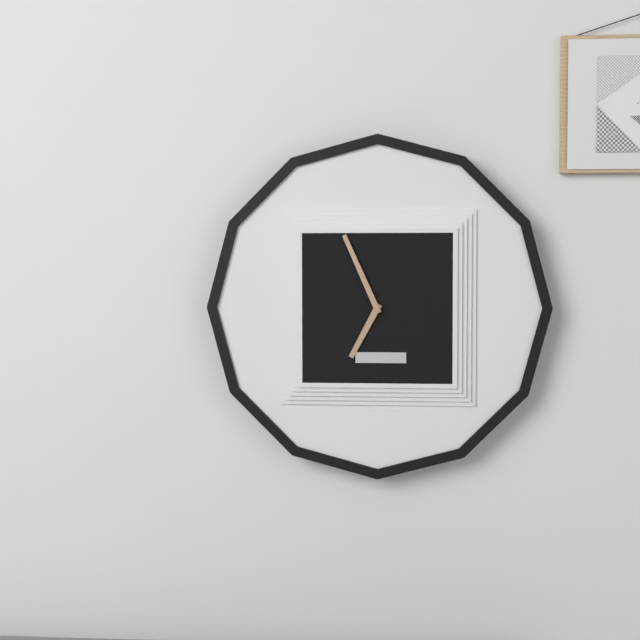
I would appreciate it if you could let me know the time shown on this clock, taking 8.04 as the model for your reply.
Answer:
6.56
